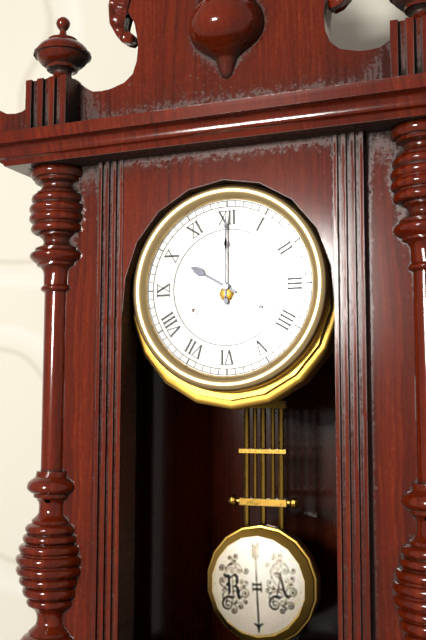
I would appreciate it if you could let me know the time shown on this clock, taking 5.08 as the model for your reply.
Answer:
10.00
